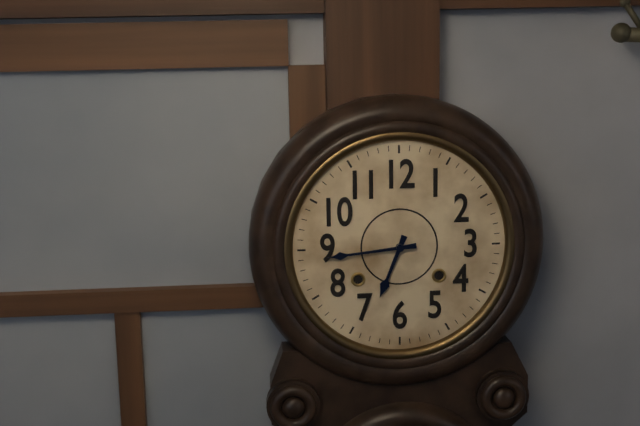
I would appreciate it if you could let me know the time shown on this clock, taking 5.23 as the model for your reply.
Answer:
6.44
